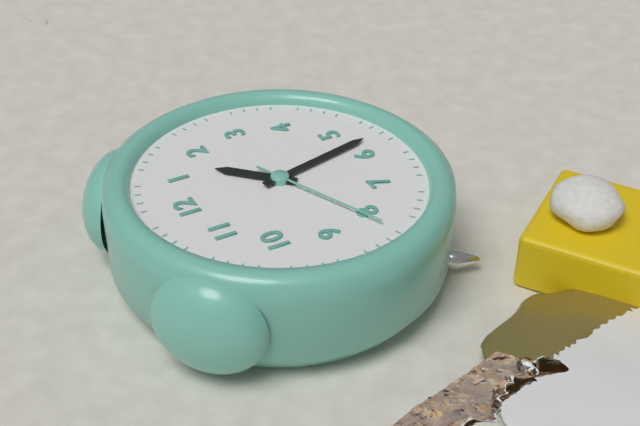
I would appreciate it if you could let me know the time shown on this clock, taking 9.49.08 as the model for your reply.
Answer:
1.28.41
